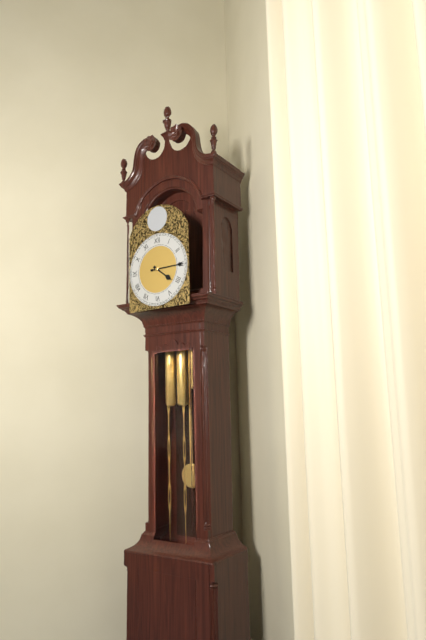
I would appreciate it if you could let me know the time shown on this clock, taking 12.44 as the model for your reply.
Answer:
4.15
